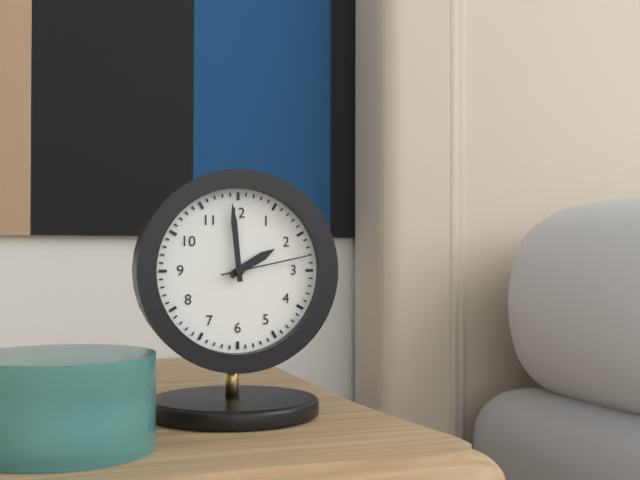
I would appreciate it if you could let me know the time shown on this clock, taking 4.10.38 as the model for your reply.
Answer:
1.59.13
